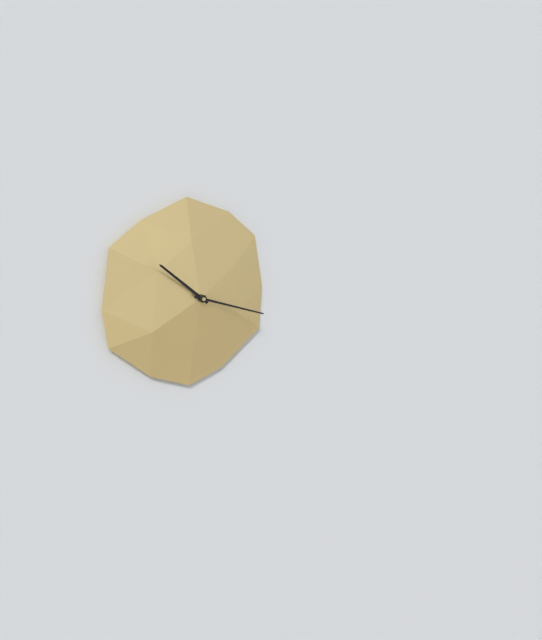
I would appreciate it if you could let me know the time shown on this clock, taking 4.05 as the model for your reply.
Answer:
10.18
